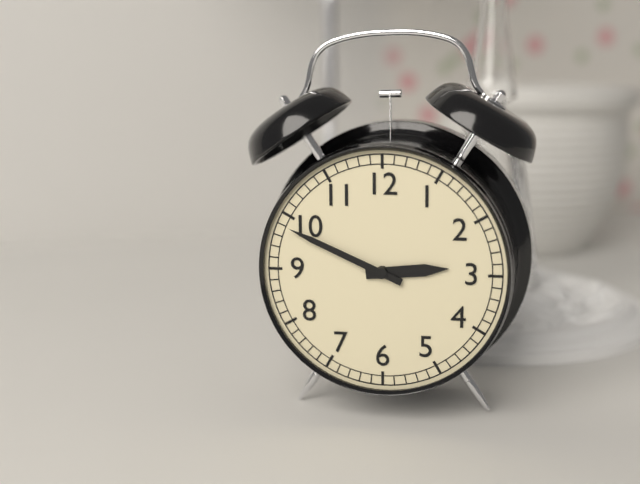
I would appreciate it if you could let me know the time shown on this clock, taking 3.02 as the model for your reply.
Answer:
2.49
